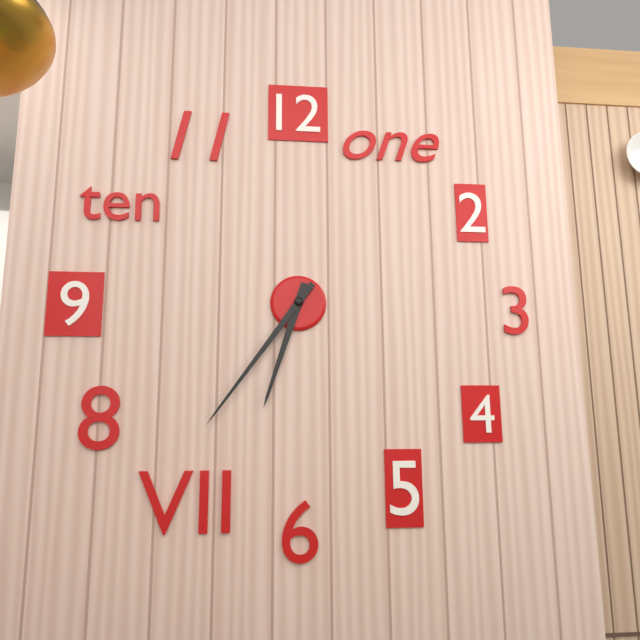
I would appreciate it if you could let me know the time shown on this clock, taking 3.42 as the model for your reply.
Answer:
6.36
